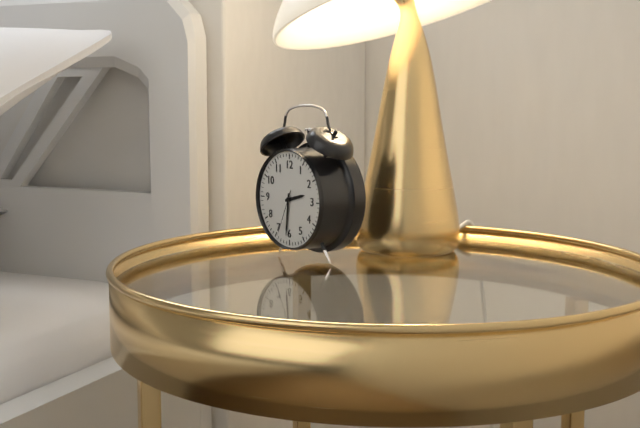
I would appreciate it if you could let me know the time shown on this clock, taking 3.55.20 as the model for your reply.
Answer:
2.31.34
